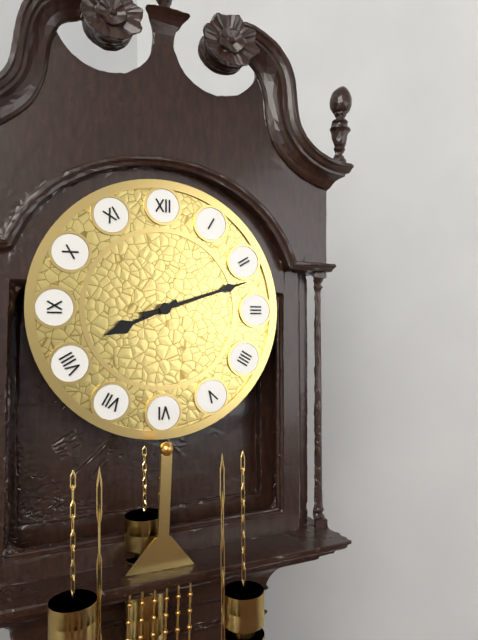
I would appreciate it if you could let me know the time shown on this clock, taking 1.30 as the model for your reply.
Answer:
8.12
